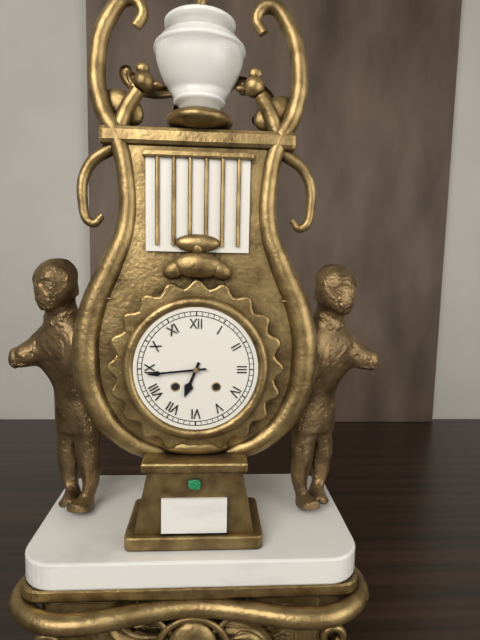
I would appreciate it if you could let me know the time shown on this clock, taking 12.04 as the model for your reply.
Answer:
6.44
